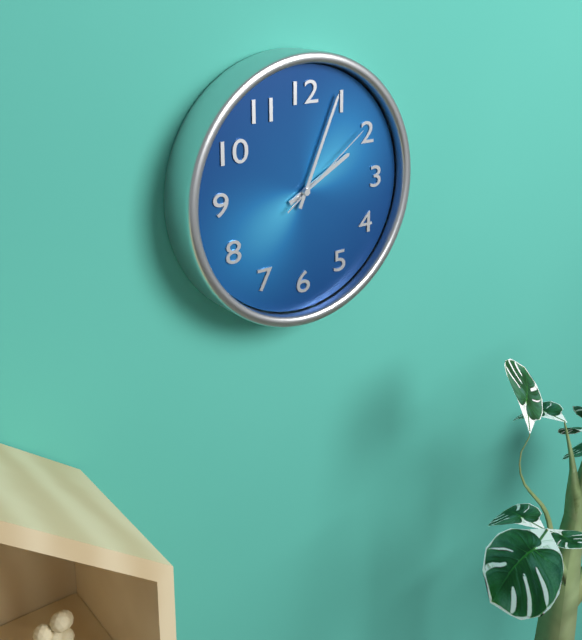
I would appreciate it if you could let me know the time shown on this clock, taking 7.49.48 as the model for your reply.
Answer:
2.04.09
